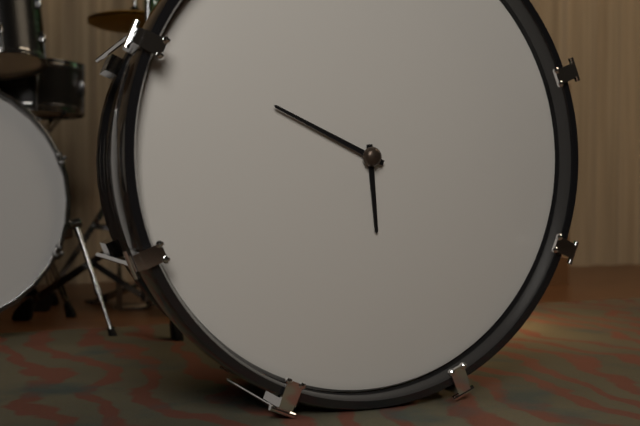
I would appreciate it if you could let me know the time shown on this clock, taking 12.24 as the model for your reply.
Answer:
5.49
